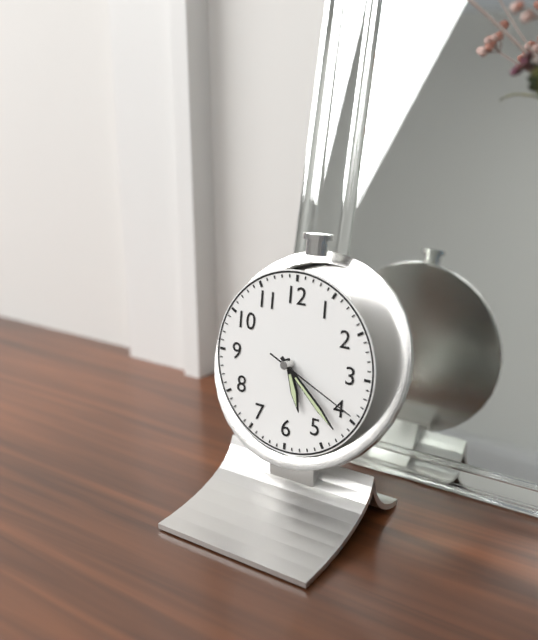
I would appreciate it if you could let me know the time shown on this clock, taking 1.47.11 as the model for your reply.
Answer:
5.22.19
